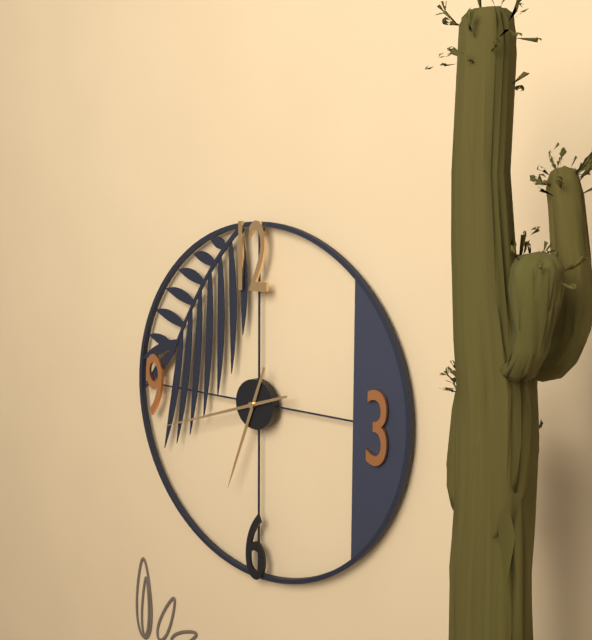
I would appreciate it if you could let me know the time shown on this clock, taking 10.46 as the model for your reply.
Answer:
6.42
